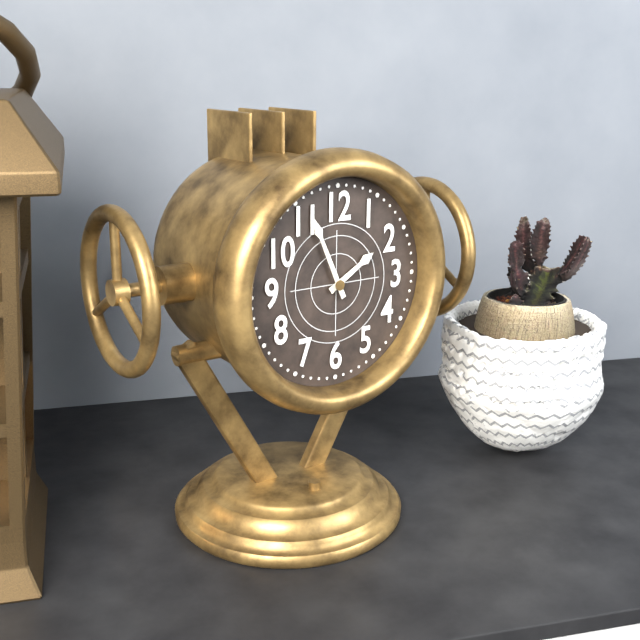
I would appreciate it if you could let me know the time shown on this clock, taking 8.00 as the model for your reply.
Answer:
1.56
